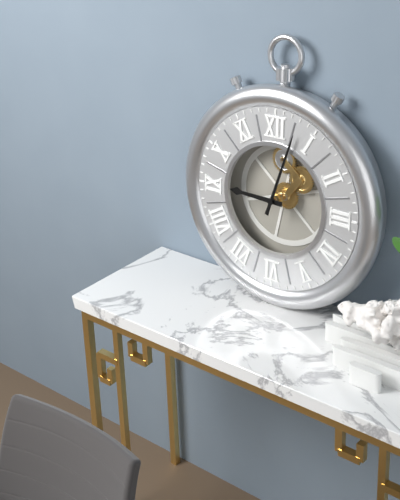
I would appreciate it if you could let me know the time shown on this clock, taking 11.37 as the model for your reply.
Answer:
9.03
